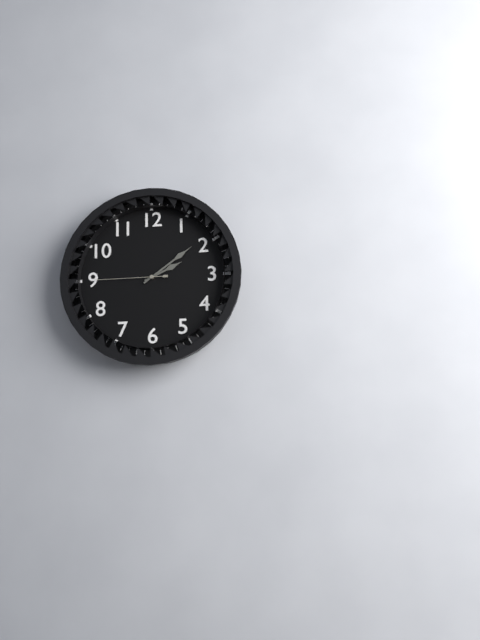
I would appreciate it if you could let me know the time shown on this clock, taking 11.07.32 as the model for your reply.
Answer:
2.09.45
